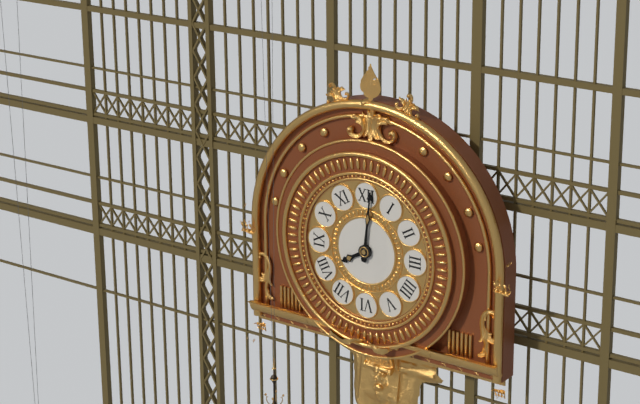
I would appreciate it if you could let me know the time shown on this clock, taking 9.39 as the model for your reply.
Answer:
8.01
